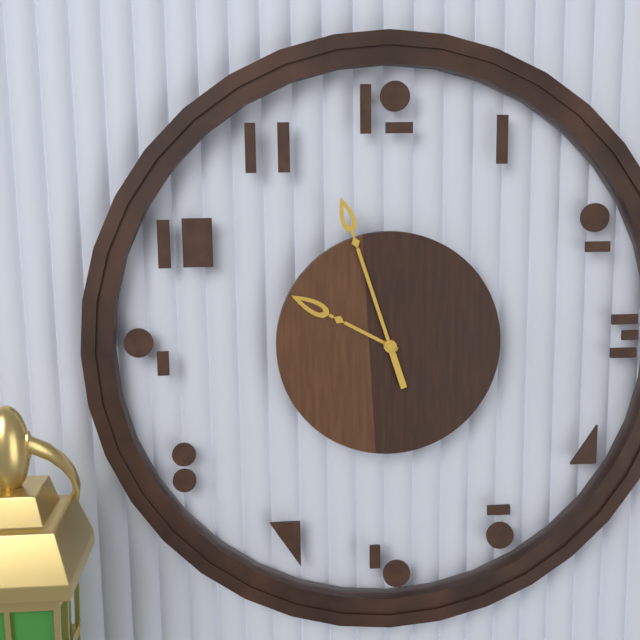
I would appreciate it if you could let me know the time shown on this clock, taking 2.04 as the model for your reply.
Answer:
9.57
